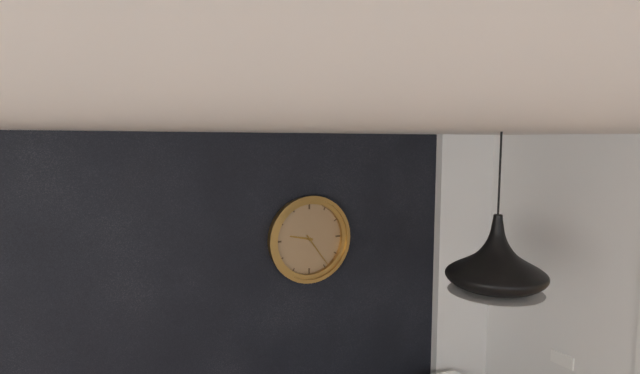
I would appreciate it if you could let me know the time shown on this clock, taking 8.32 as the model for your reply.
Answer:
9.24
